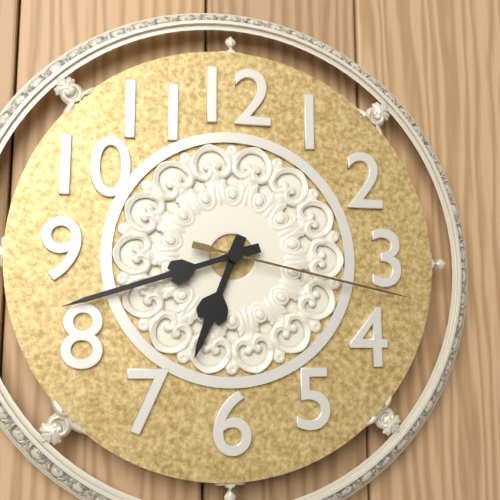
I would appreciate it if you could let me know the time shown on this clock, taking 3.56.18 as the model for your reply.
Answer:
6.42.17
